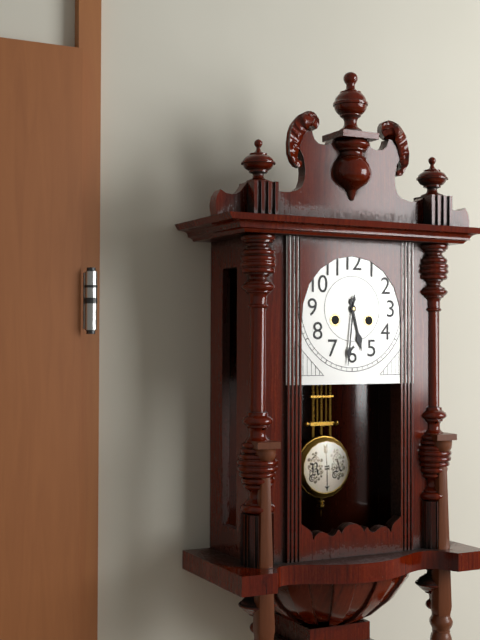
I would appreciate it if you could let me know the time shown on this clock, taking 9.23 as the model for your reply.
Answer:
5.31
